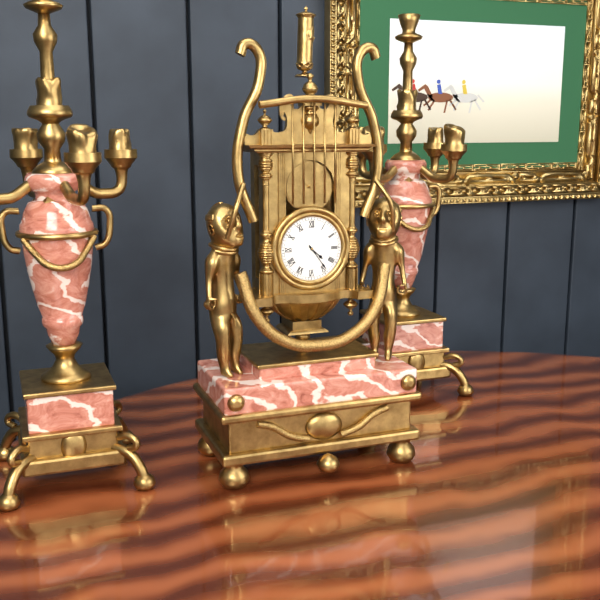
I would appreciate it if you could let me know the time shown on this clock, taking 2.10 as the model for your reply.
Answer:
4.24
